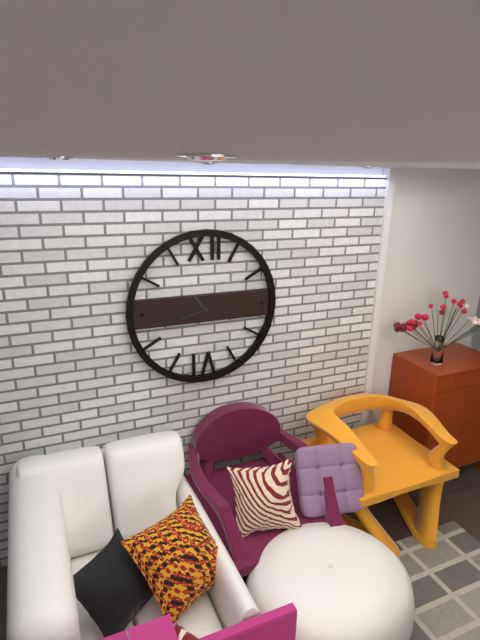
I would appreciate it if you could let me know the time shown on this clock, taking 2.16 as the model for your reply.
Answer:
10.42
